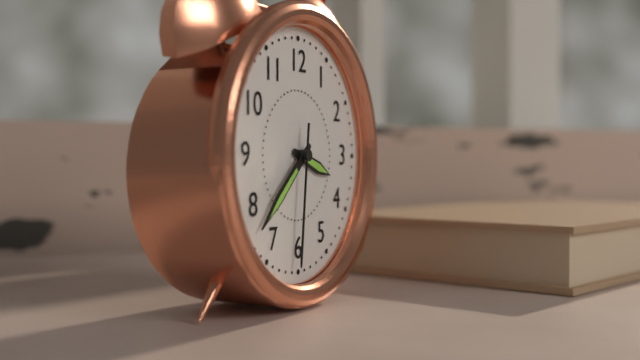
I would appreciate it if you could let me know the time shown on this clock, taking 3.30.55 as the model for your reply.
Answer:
3.38.31
